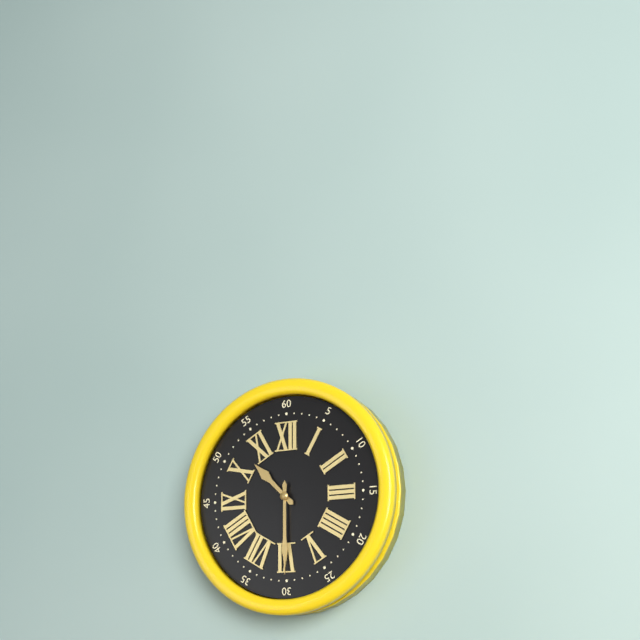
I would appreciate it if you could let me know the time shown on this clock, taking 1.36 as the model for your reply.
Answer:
10.30
